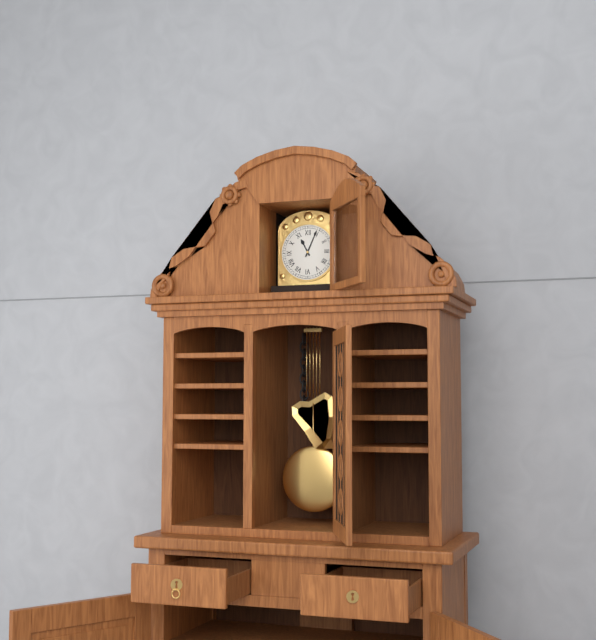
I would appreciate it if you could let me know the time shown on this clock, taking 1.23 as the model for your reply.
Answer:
11.04
